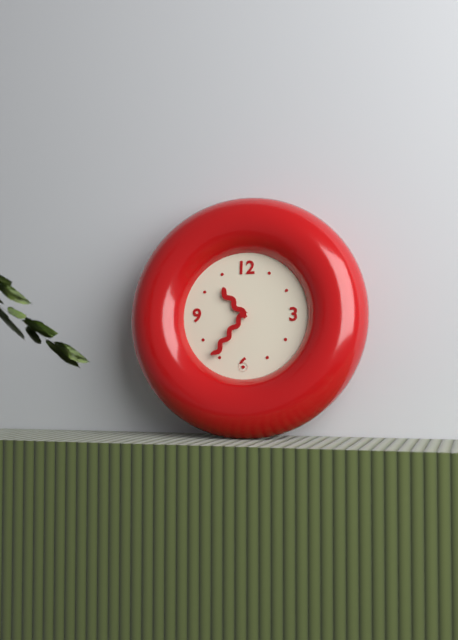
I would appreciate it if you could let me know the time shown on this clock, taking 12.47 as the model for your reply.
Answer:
10.36
